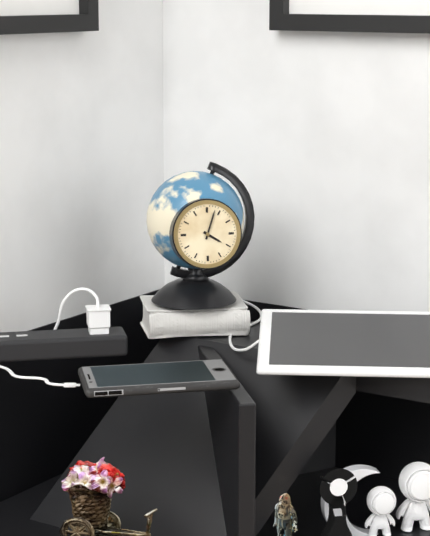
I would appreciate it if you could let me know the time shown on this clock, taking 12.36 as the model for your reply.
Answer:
4.03
